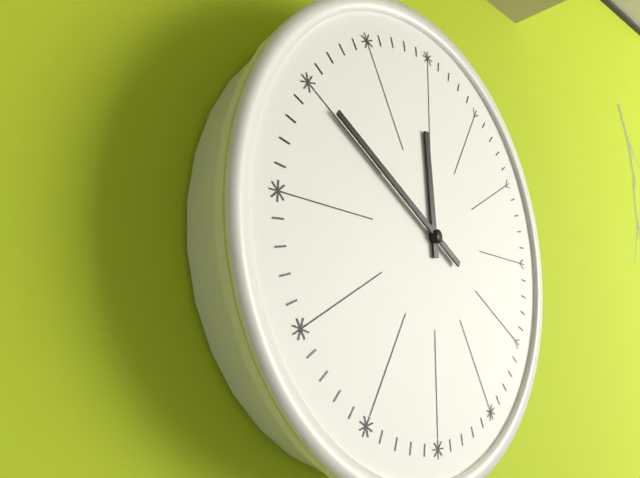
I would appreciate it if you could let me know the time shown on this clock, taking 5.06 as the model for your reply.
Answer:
11.50
